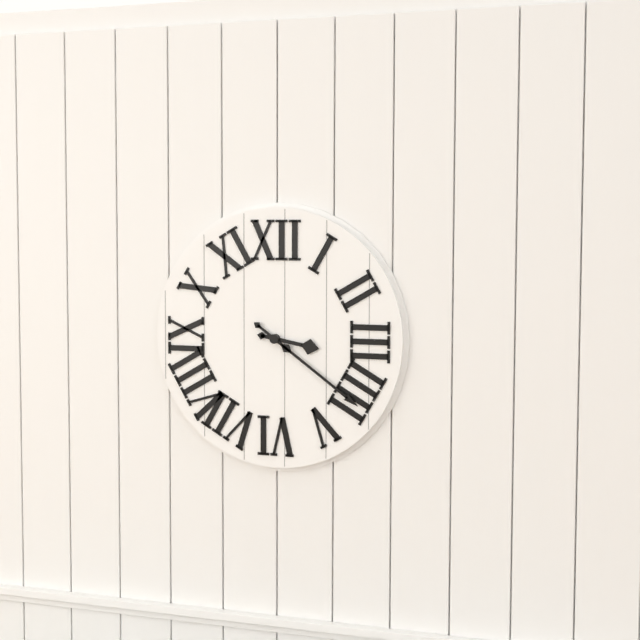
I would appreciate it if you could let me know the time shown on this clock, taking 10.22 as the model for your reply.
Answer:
3.21
